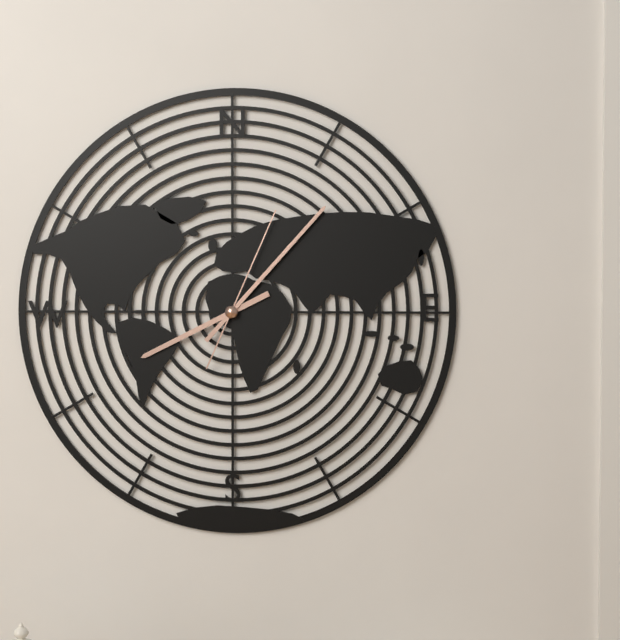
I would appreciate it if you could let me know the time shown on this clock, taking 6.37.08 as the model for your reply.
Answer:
8.07.04
